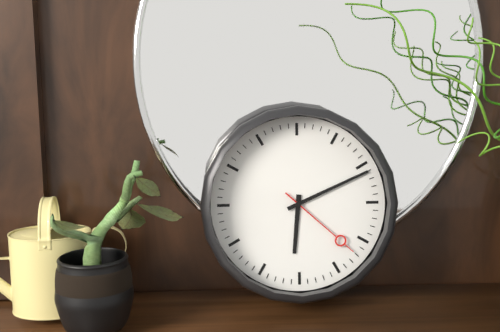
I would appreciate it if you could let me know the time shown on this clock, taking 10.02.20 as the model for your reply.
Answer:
6.11.22
